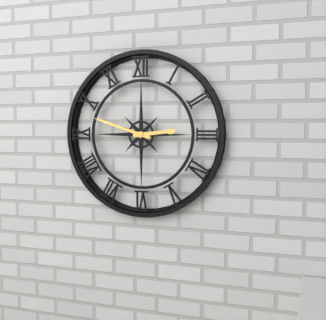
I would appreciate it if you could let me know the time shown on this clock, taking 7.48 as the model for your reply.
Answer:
2.48
